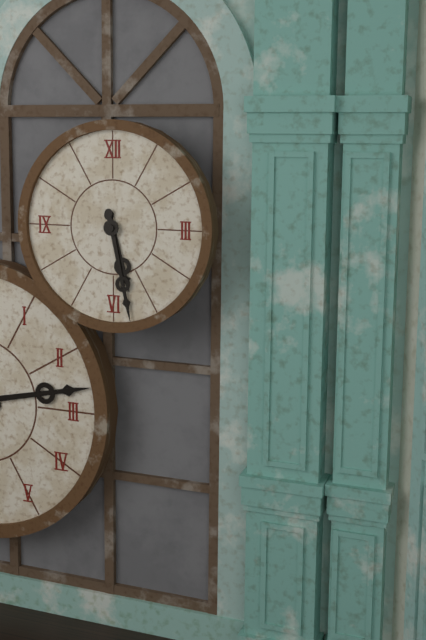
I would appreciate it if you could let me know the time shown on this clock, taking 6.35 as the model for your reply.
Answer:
5.28
